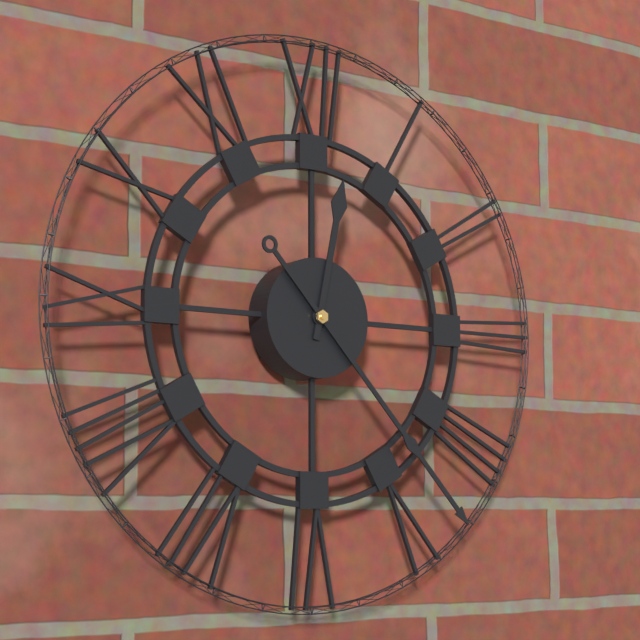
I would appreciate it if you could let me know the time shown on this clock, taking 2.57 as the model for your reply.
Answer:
12.23
